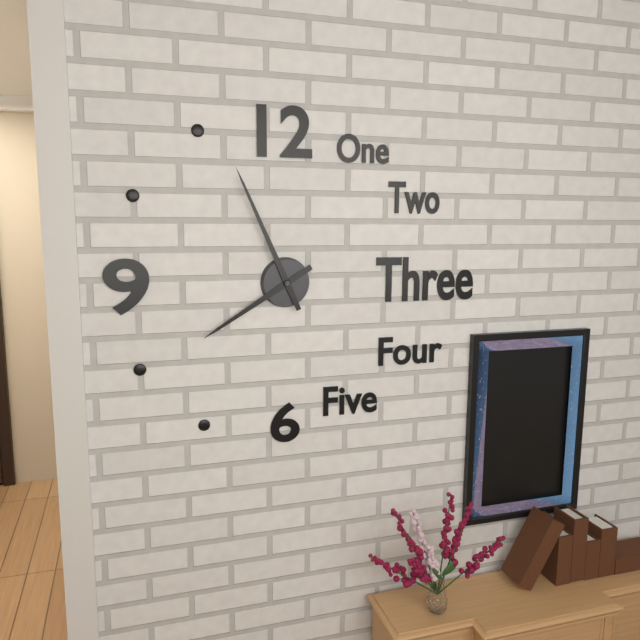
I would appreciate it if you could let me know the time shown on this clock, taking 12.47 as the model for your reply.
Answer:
7.56
